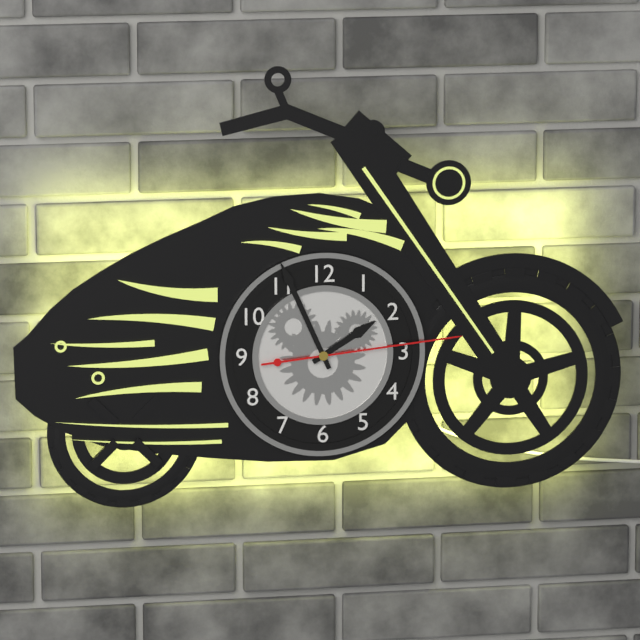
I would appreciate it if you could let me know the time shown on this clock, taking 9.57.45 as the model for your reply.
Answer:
1.56.14
